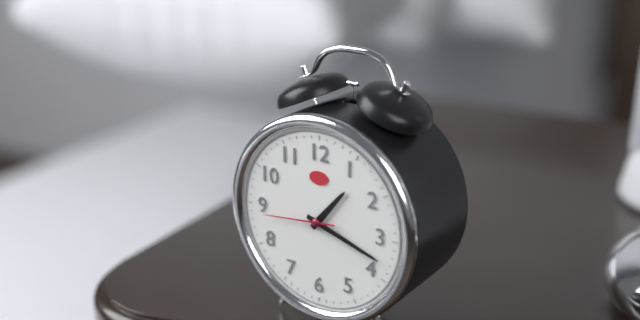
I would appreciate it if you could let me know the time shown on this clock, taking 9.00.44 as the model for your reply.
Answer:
1.18.44
